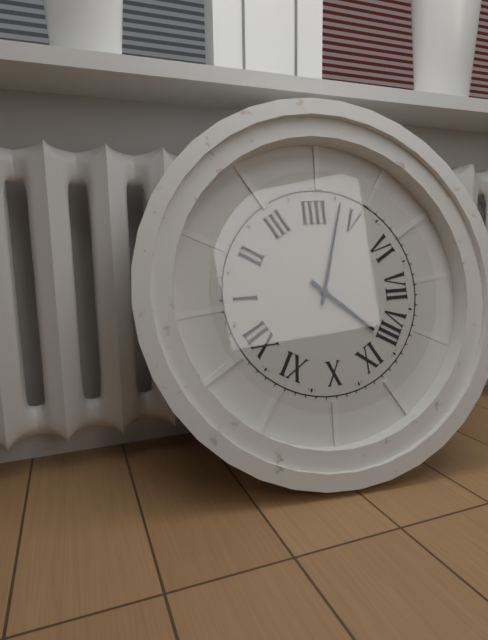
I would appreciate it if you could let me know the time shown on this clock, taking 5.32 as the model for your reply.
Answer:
8.23
